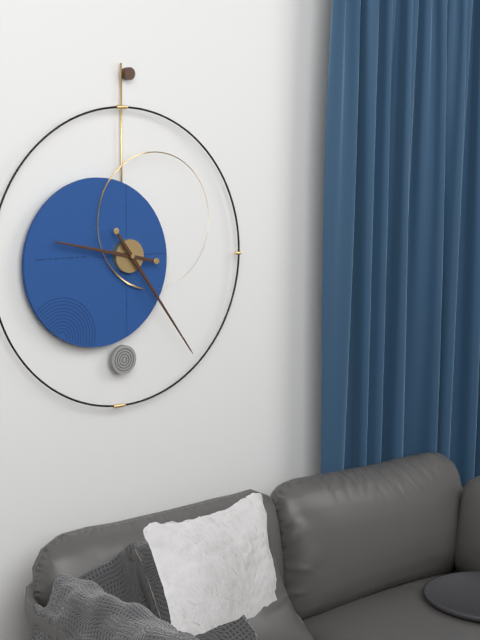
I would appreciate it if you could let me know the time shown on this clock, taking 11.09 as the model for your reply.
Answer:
9.24
